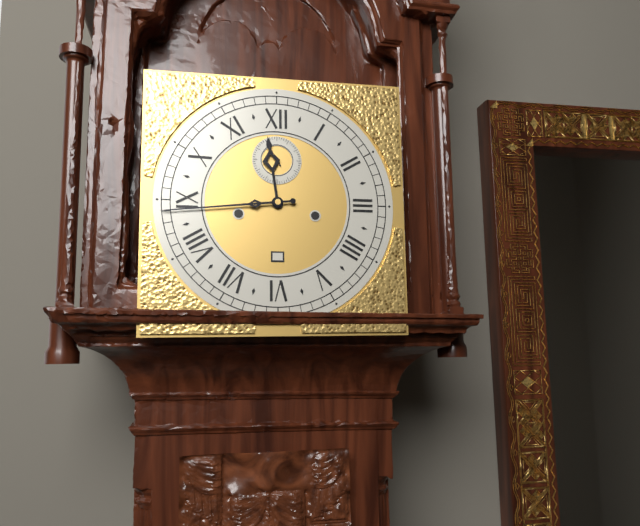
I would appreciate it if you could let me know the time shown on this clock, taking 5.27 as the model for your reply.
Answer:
11.44
